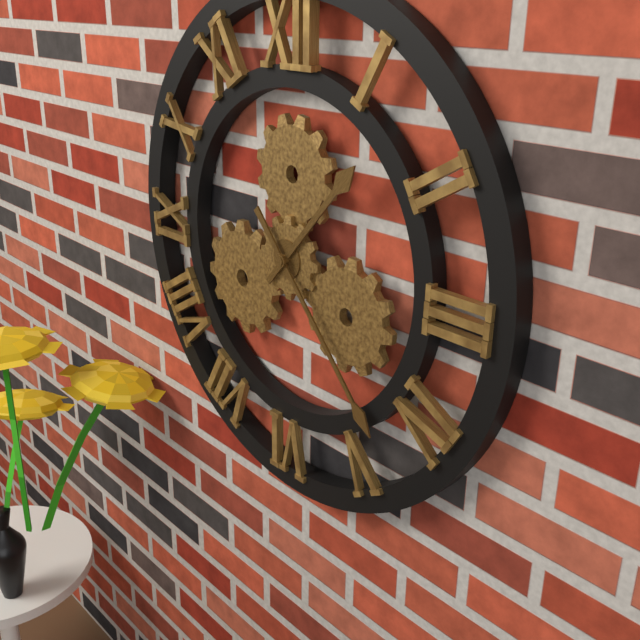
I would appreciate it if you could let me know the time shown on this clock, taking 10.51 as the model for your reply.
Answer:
1.23
